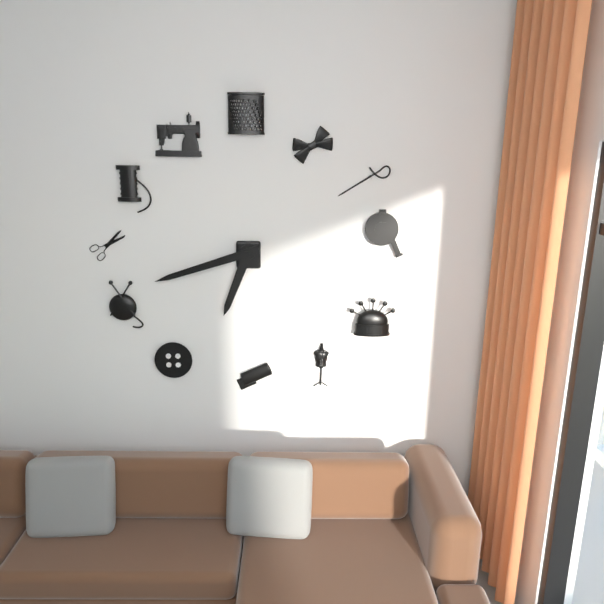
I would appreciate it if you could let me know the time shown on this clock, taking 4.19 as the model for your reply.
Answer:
6.42
